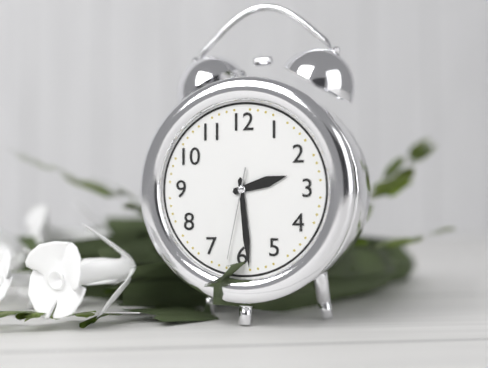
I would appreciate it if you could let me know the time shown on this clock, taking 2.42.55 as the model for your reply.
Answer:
2.29.32
